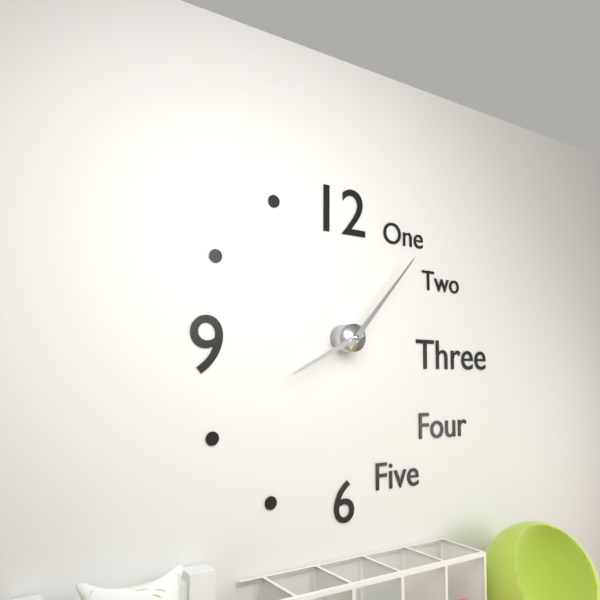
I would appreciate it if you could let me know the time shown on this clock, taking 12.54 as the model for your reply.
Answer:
8.07
